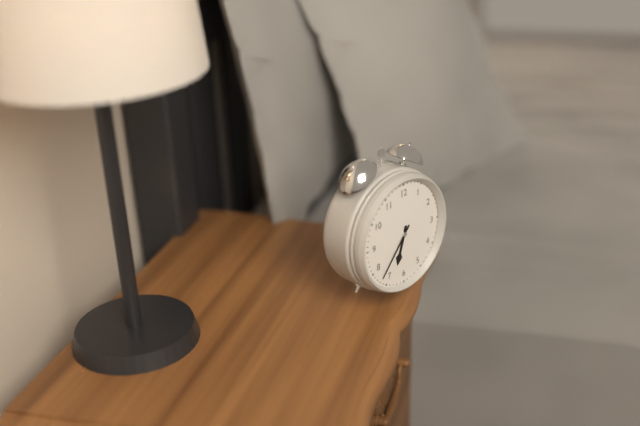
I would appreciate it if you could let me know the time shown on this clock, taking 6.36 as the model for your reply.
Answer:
6.37
